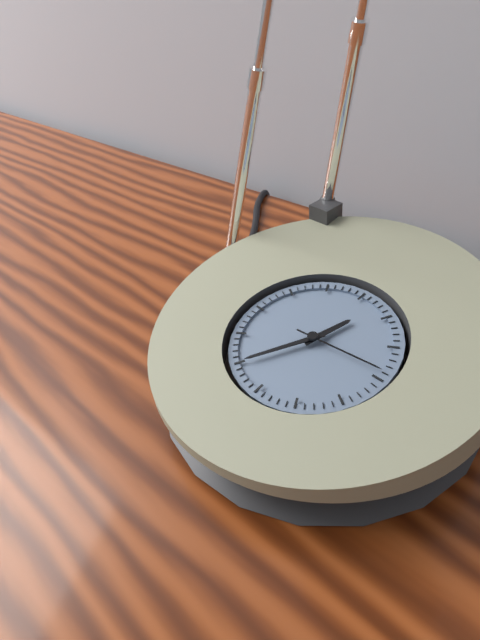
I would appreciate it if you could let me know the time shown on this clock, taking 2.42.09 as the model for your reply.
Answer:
12.35.14
